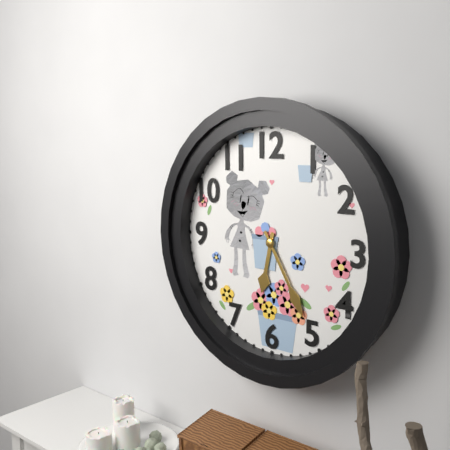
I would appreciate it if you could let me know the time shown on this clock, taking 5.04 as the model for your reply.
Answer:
6.25
